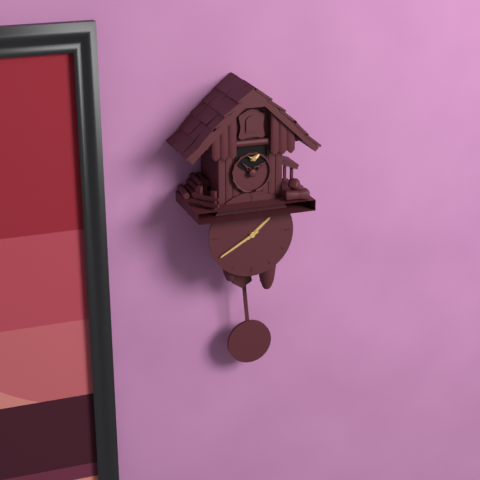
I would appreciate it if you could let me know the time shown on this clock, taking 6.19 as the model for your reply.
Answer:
1.40
